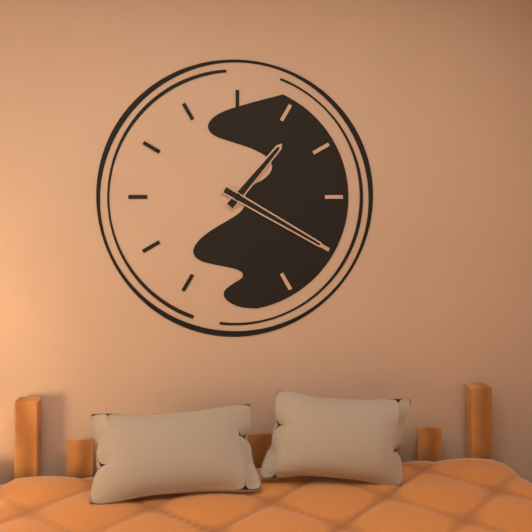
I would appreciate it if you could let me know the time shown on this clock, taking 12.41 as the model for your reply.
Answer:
1.20
